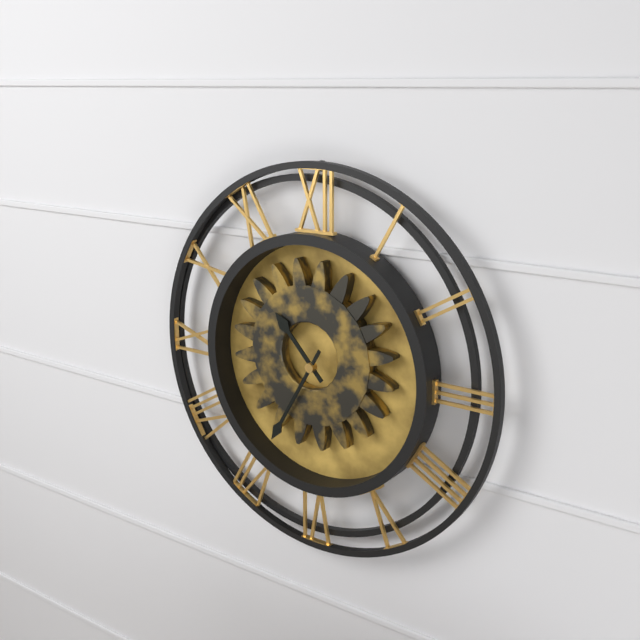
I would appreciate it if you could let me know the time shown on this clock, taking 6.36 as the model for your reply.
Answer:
10.35
